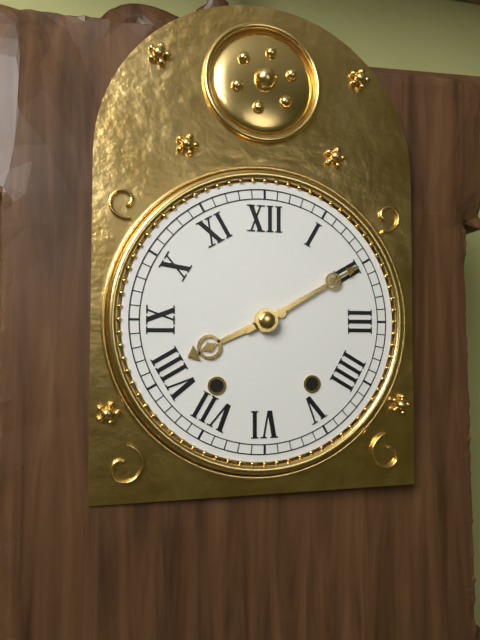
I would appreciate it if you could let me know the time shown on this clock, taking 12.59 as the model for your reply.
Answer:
8.10
